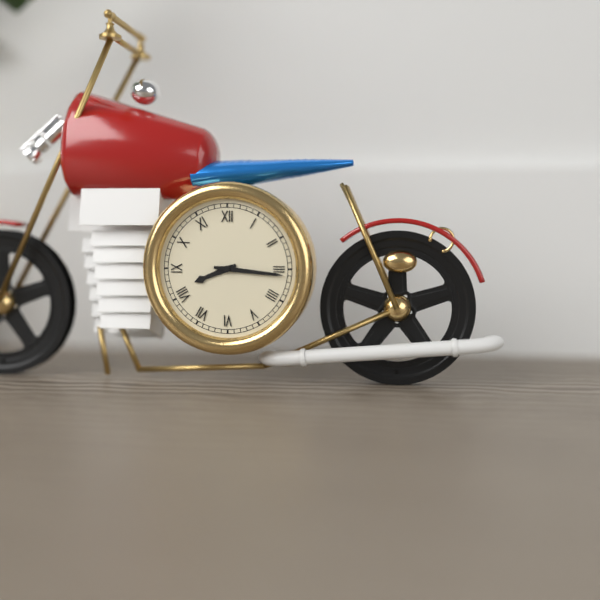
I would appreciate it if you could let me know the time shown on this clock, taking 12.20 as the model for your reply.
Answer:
8.16
